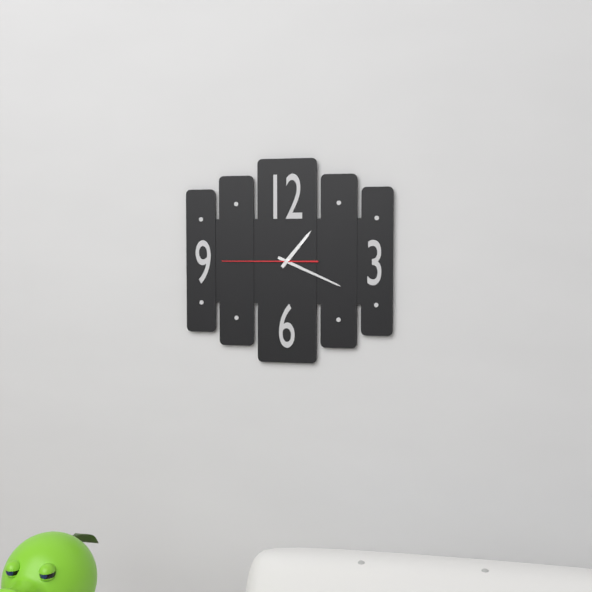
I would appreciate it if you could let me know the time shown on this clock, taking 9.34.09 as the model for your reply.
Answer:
1.19.45
